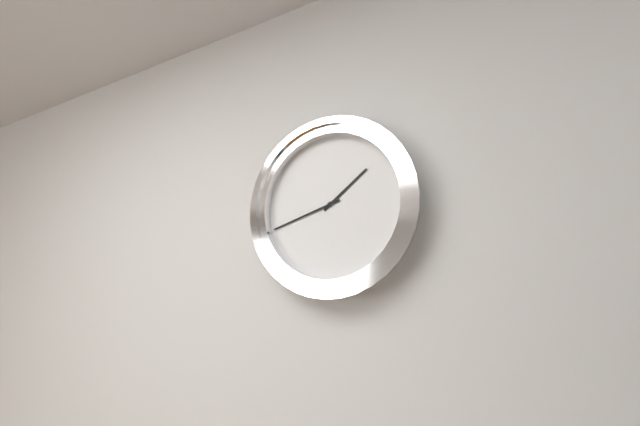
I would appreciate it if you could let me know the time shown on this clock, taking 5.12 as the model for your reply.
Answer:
1.42
